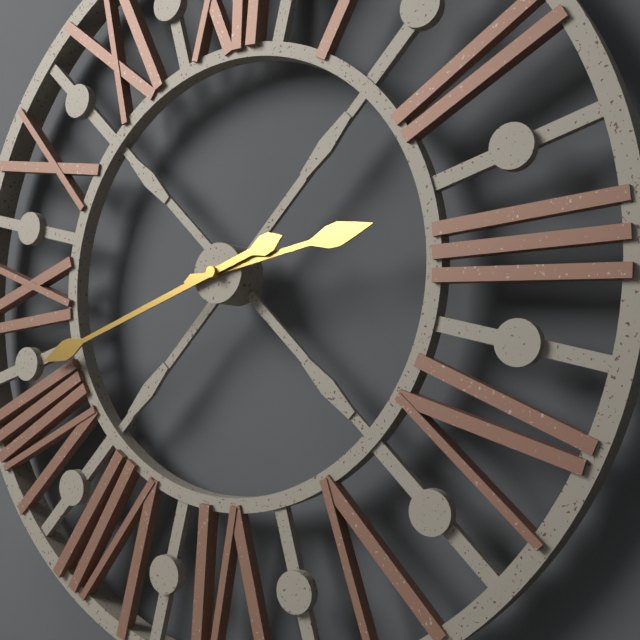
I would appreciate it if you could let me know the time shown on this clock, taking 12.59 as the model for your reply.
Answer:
2.42
